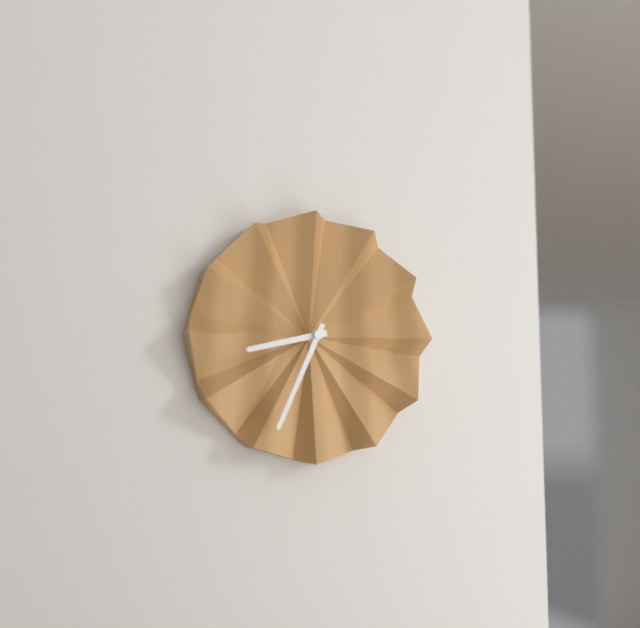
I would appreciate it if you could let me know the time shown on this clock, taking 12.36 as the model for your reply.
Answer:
8.34
